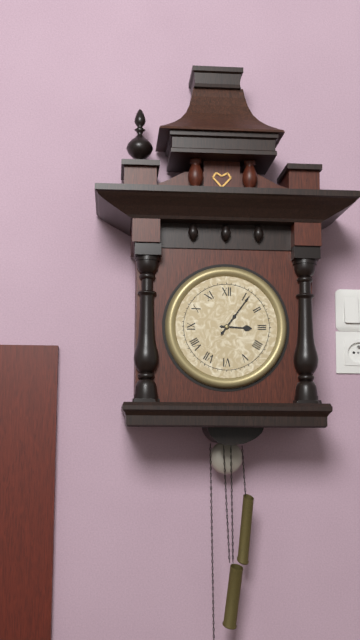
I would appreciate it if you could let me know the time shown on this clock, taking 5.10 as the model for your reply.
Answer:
3.06
